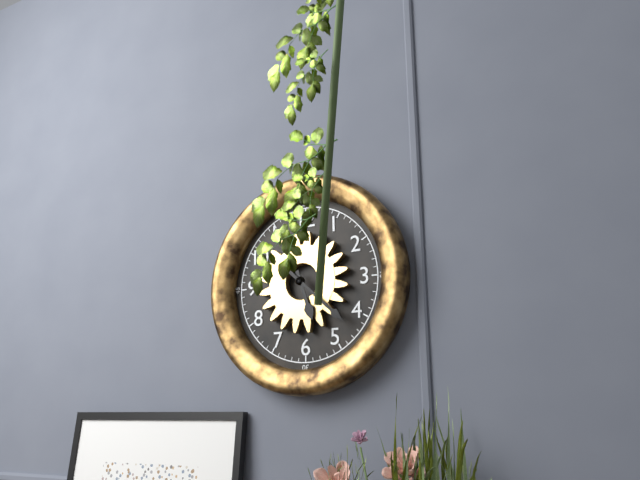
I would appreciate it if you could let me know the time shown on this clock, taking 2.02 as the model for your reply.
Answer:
5.22
